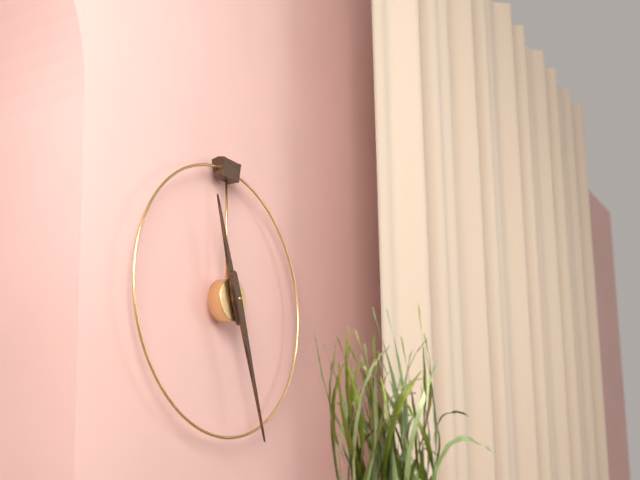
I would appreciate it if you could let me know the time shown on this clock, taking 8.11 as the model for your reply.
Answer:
11.27
